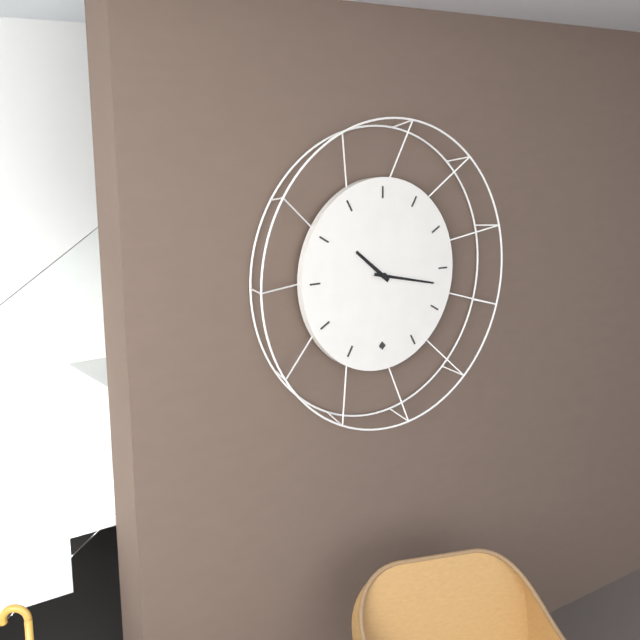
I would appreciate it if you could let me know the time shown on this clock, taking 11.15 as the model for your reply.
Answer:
10.17
